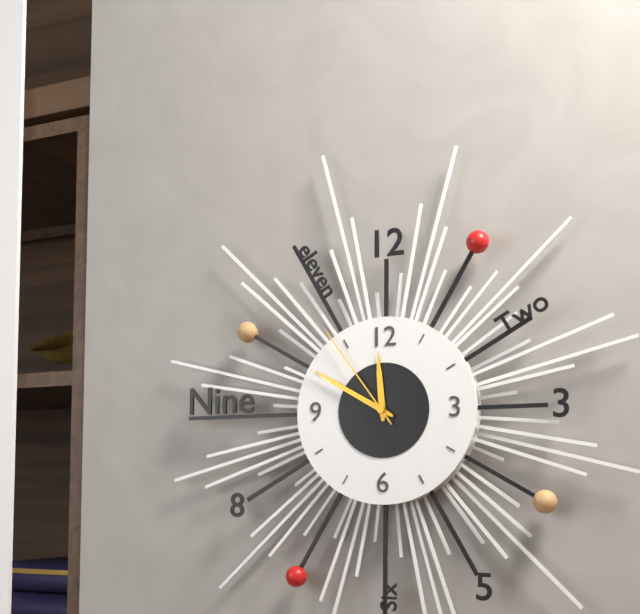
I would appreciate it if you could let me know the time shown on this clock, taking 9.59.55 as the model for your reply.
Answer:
11.50.54
